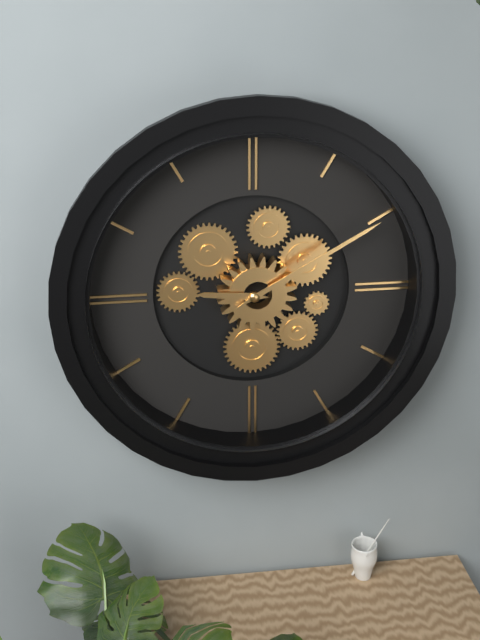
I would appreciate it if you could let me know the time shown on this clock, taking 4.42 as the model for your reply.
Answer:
9.10
